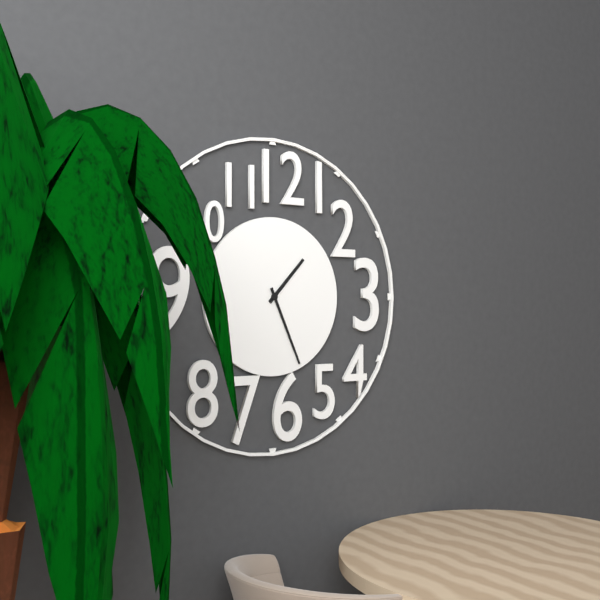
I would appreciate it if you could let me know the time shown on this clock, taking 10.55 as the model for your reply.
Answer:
1.26
